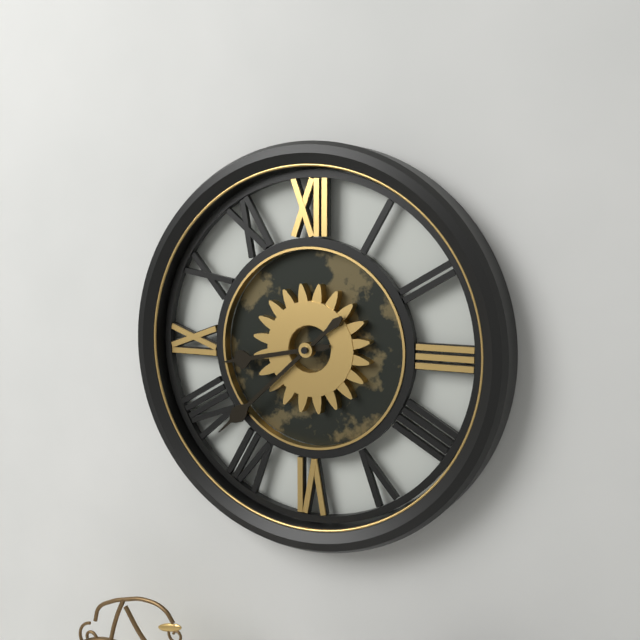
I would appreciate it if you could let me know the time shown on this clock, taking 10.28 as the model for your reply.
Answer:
8.38
